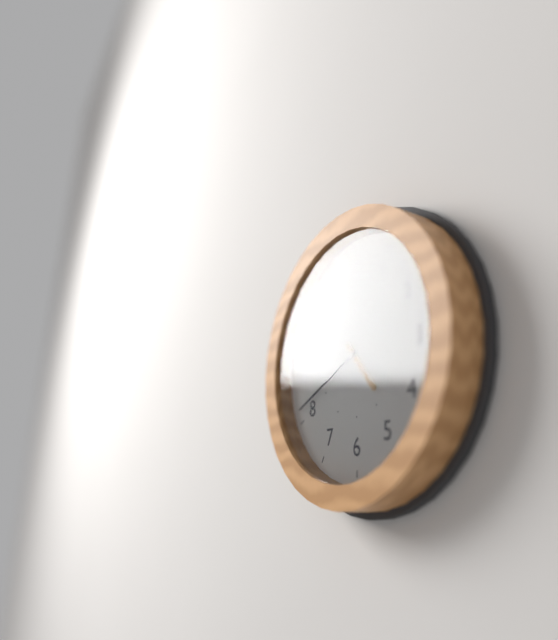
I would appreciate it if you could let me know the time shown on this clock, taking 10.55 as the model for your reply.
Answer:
4.41
